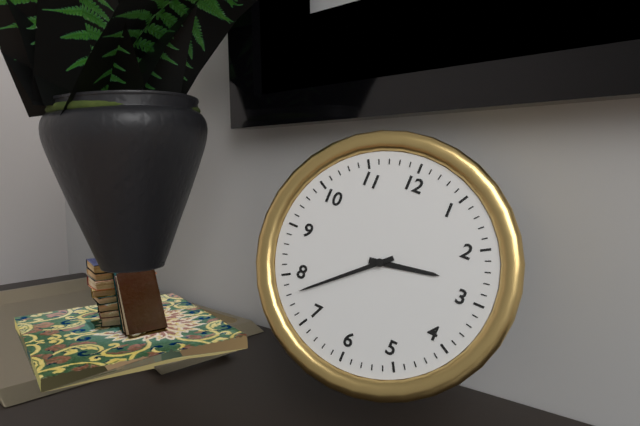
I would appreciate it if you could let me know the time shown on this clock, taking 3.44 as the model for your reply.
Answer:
2.38
